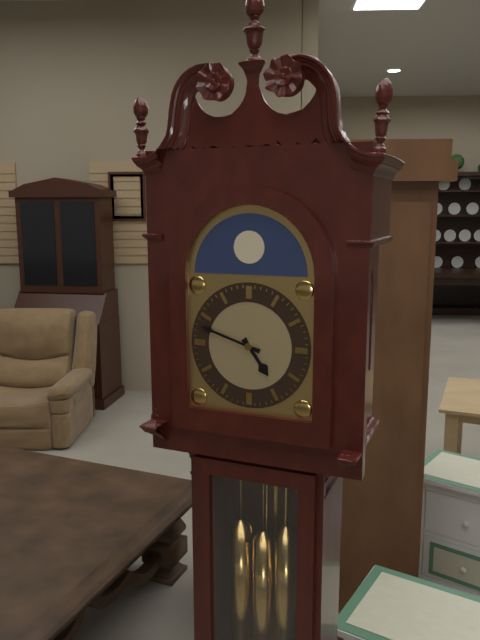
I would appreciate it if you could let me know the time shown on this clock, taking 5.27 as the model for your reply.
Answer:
4.48
